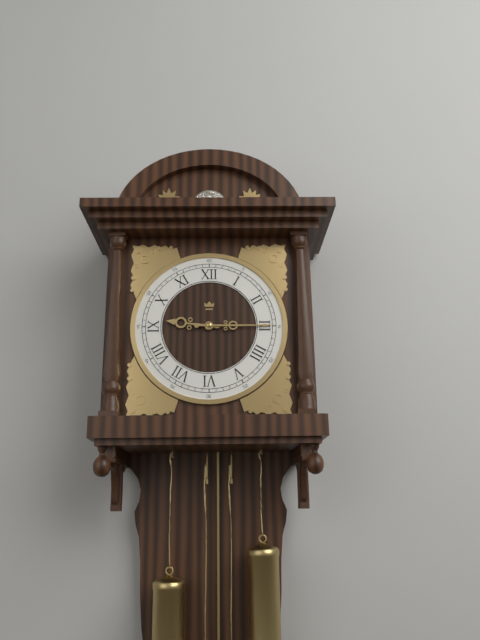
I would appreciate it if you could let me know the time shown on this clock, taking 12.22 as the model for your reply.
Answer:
9.15
